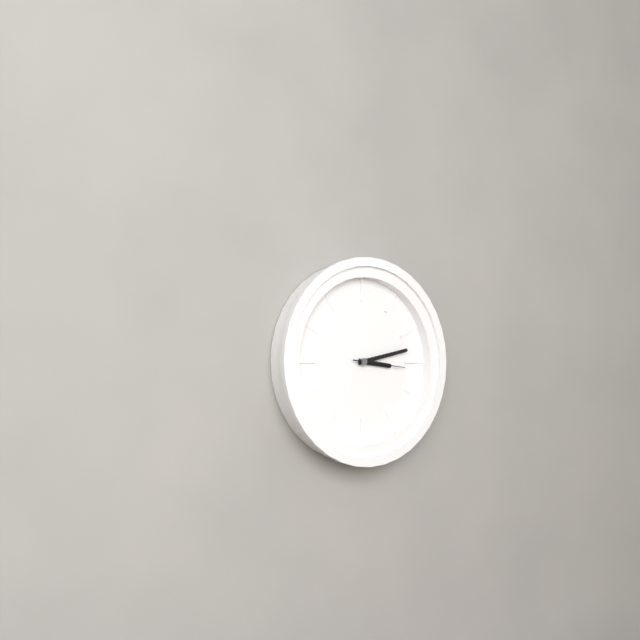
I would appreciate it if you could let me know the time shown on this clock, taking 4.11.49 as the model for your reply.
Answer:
3.13.16
